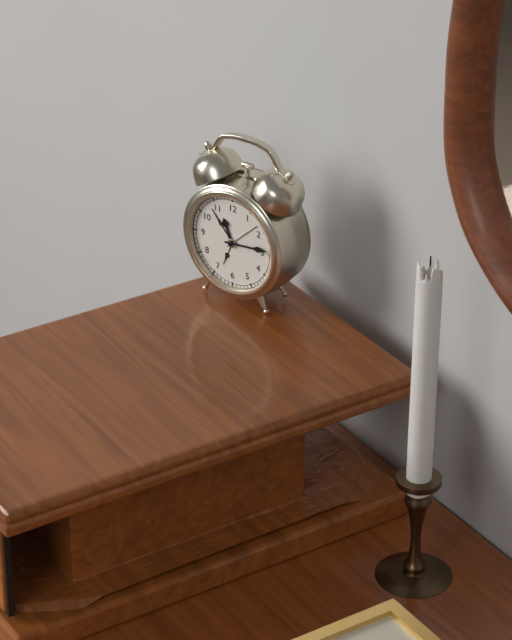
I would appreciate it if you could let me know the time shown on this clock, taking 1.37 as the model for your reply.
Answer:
11.14
